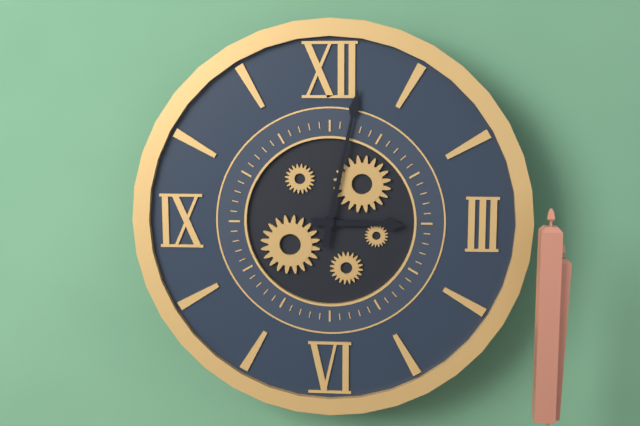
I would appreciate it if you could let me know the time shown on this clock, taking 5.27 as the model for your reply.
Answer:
3.02
